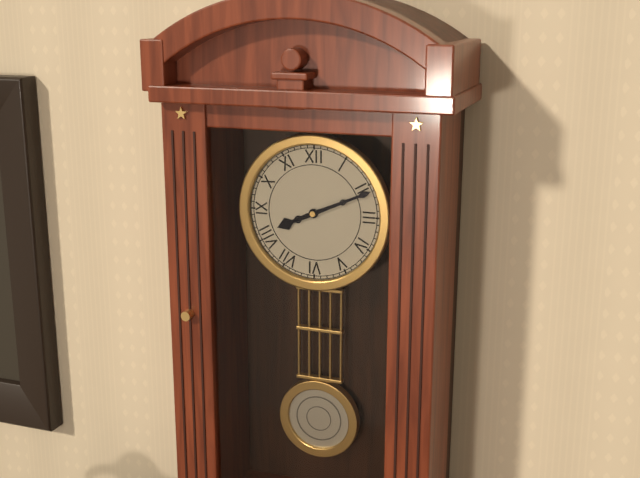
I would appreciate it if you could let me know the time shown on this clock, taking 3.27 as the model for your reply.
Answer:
8.11
